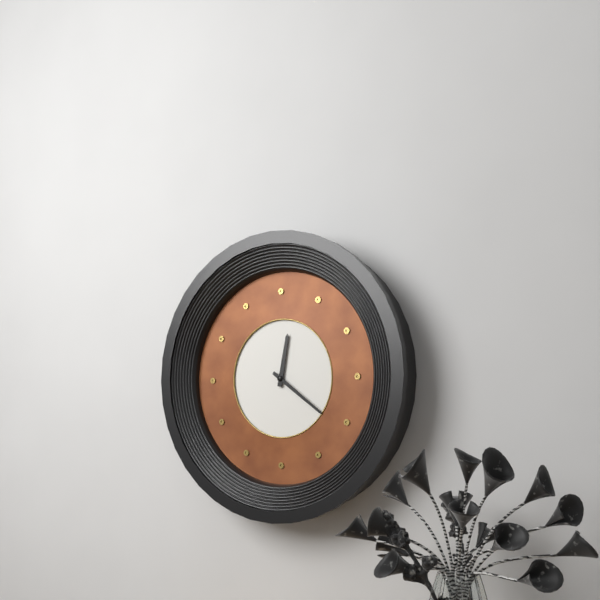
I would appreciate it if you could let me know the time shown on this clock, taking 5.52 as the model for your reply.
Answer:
12.21
